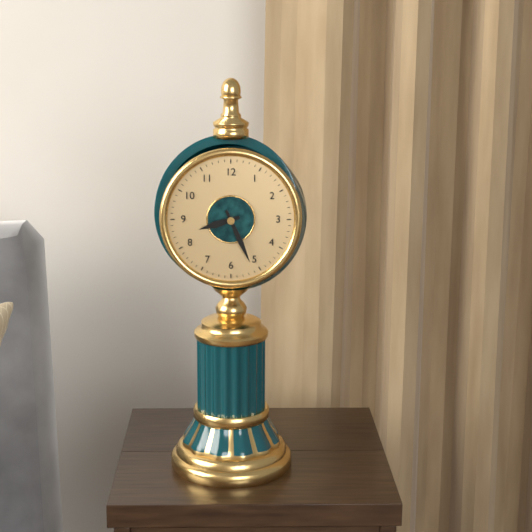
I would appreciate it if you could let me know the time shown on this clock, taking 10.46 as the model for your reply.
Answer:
8.26
